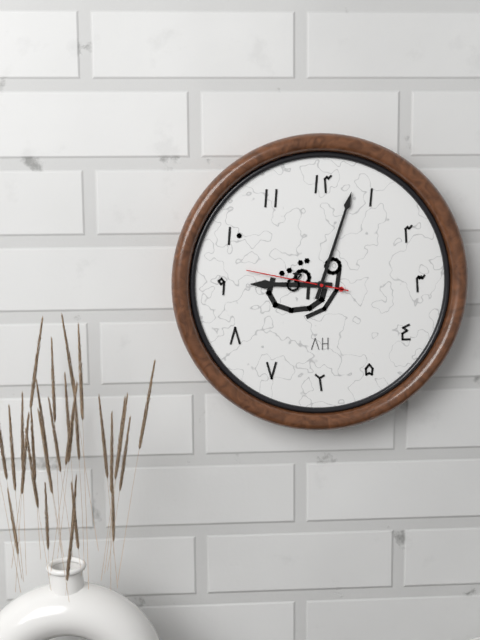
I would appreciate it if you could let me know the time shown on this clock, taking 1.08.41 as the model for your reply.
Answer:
9.03.47
